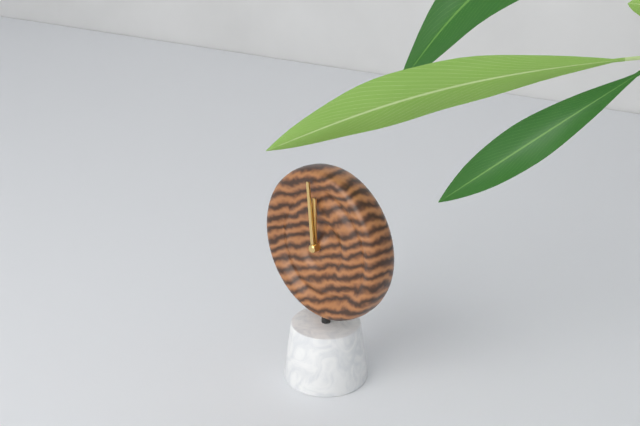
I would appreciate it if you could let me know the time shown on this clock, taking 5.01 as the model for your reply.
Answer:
11.59
